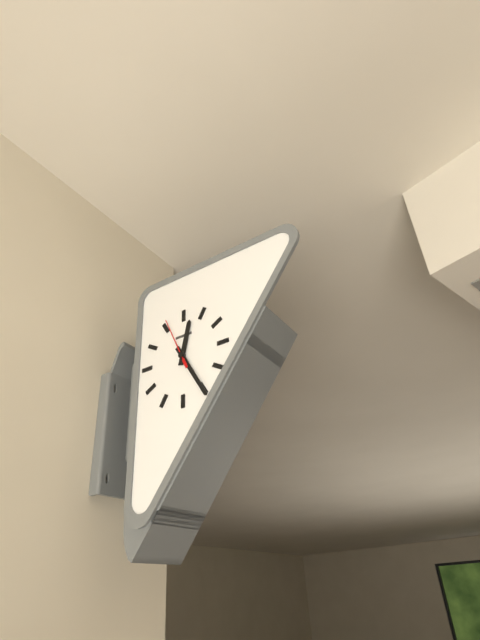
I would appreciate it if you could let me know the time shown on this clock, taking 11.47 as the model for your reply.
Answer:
12.25
